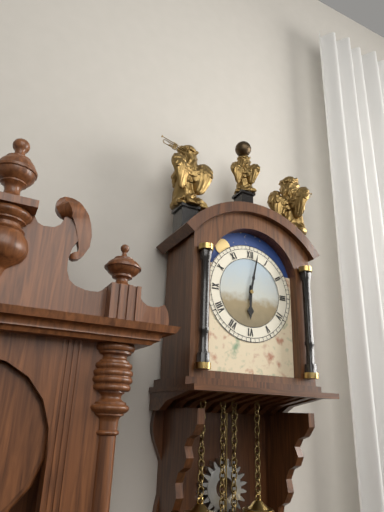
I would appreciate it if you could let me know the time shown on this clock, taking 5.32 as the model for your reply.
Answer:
6.02
